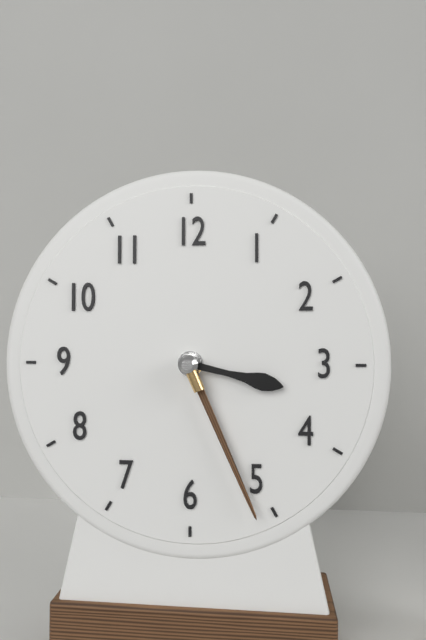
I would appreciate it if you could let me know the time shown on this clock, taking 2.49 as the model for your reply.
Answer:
3.26
